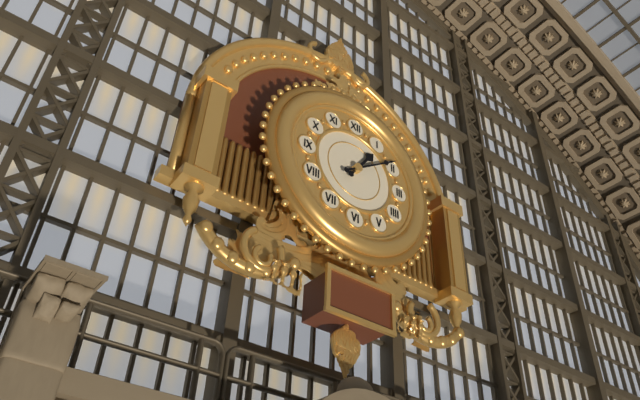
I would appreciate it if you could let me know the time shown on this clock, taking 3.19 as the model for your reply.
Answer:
1.09
